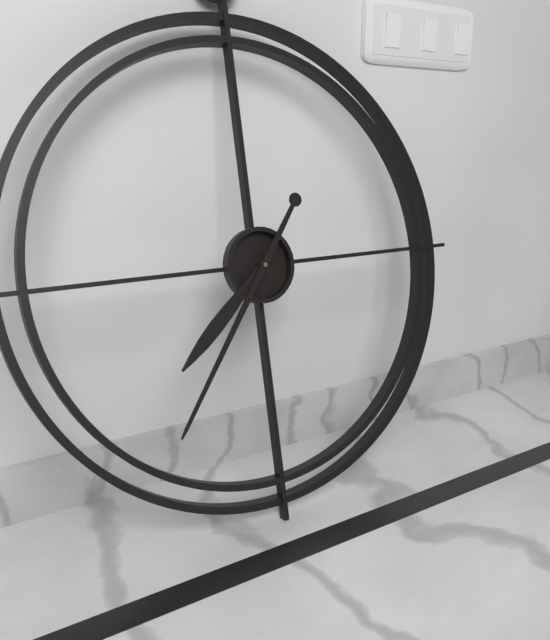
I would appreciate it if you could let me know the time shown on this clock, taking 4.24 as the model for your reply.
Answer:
7.36
